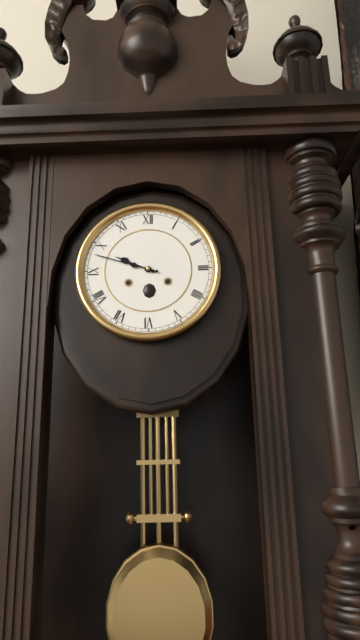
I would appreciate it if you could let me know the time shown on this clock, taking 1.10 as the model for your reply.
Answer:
9.48
